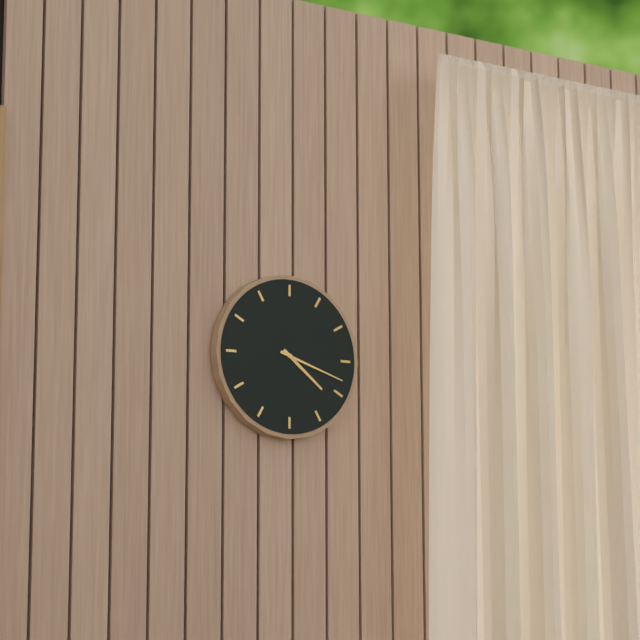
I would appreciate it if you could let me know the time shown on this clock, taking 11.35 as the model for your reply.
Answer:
4.18
